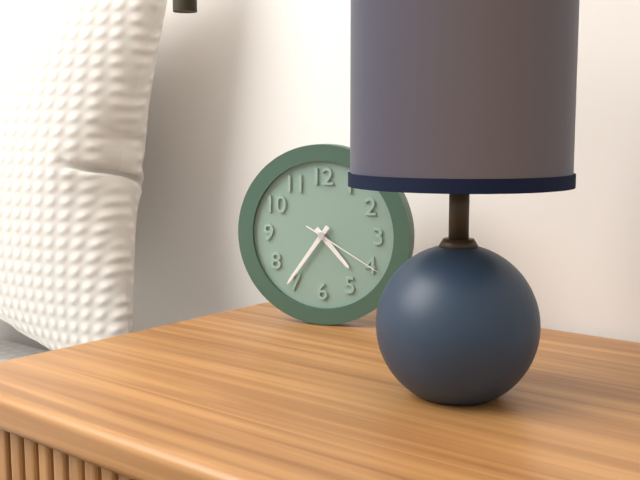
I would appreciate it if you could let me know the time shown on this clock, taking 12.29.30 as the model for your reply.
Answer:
4.36.20
